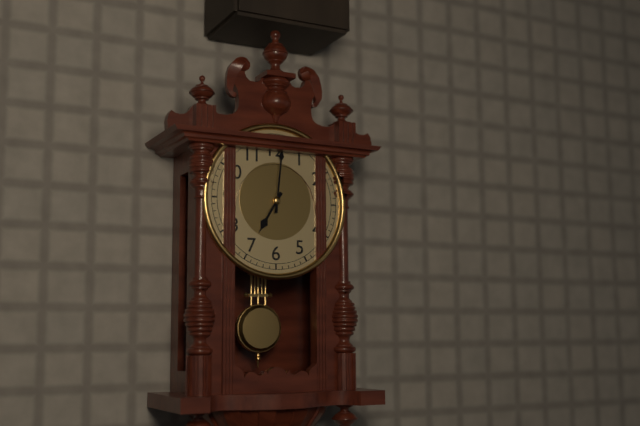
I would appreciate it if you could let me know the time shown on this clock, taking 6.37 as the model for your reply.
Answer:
7.01
